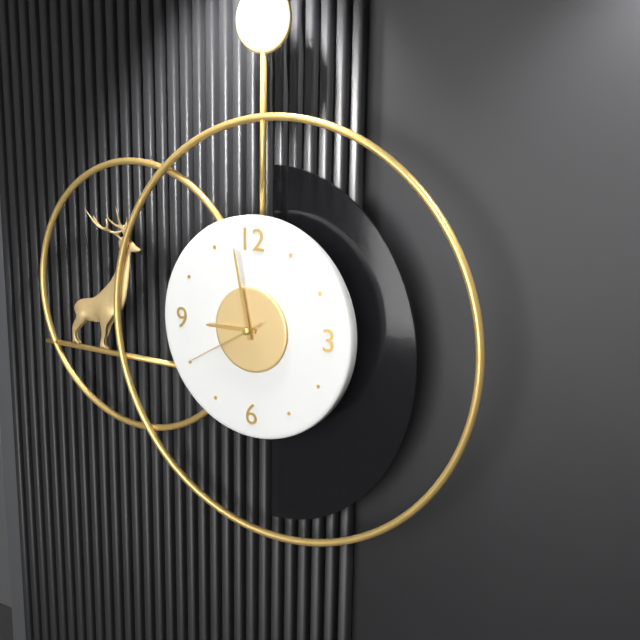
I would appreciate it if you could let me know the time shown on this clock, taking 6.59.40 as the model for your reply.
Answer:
8.58.40
